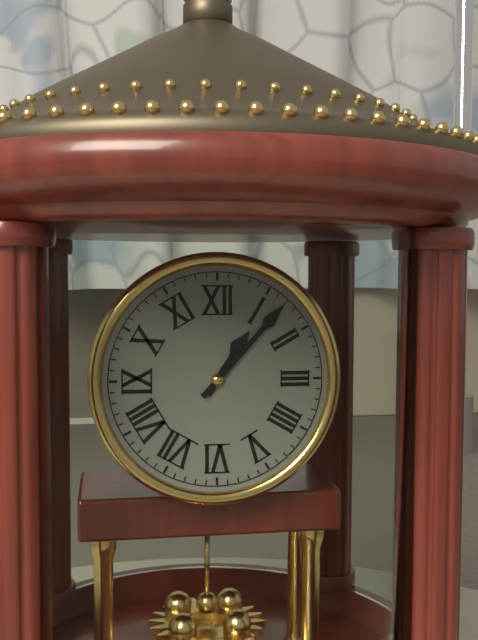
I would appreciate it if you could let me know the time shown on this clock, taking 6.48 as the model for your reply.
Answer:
1.07
